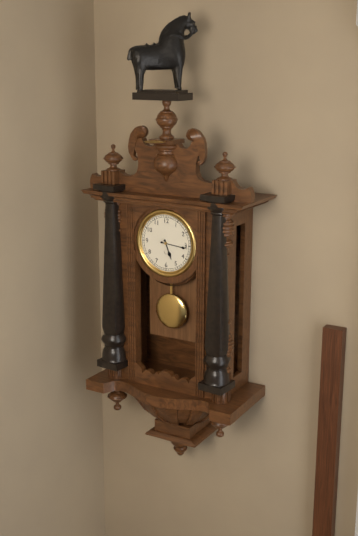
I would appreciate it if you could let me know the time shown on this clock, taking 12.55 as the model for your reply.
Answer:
5.16
